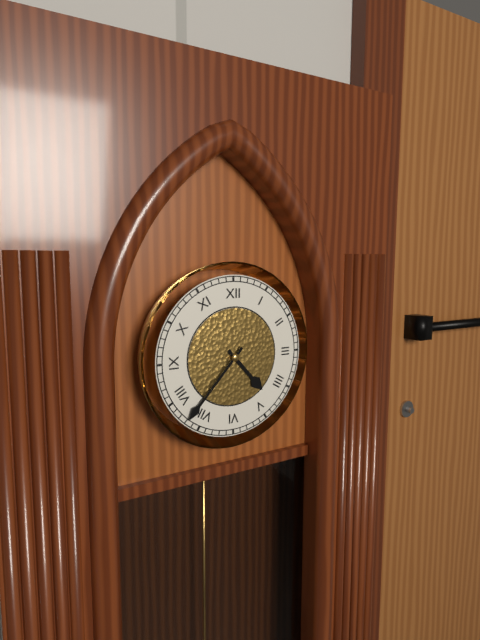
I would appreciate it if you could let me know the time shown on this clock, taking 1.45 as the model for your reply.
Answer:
4.37
